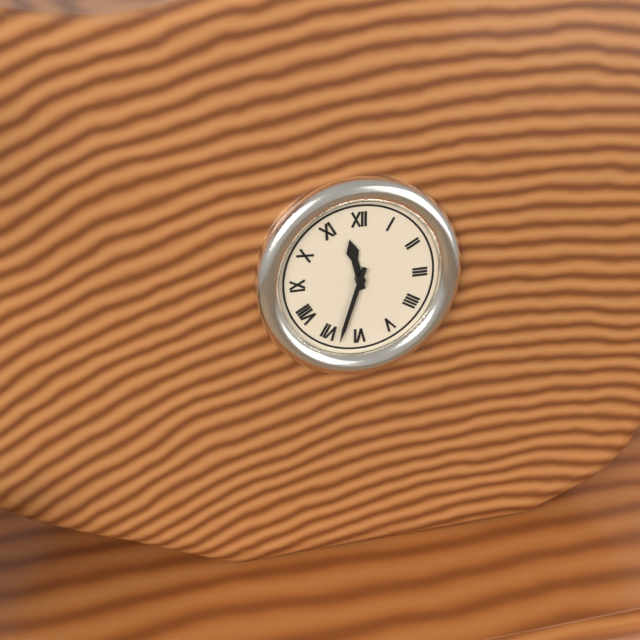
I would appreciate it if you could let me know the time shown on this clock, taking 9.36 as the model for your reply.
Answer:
11.33
